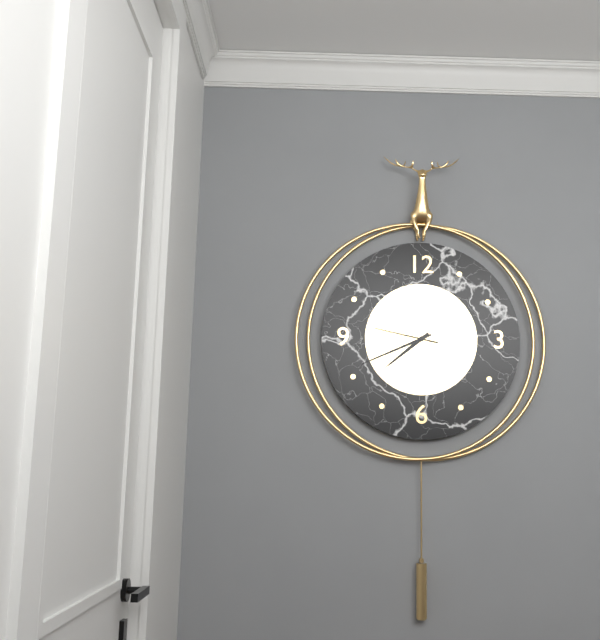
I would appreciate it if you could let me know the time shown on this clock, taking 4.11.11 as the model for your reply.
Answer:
7.41.47
